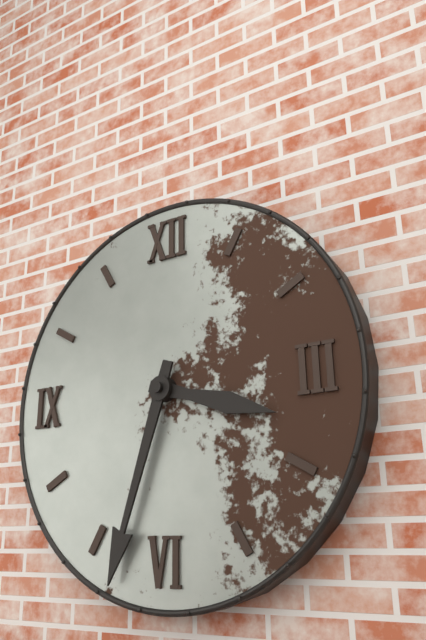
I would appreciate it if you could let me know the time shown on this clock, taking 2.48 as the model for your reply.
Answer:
3.33
